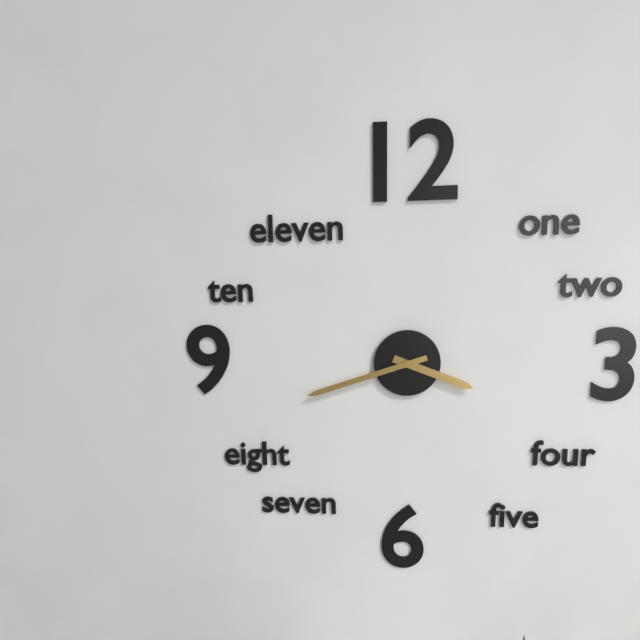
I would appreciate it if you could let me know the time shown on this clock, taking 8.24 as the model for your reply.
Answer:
3.42
